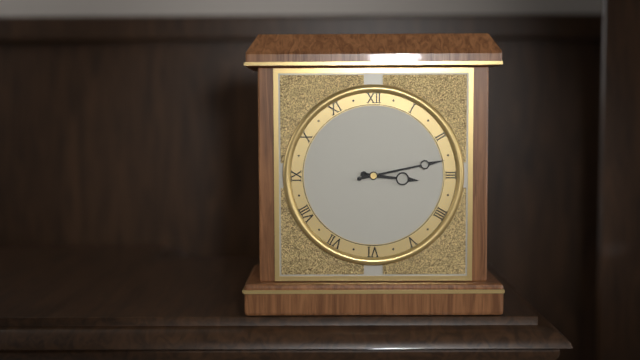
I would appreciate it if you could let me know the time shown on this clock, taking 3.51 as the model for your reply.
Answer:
3.13
